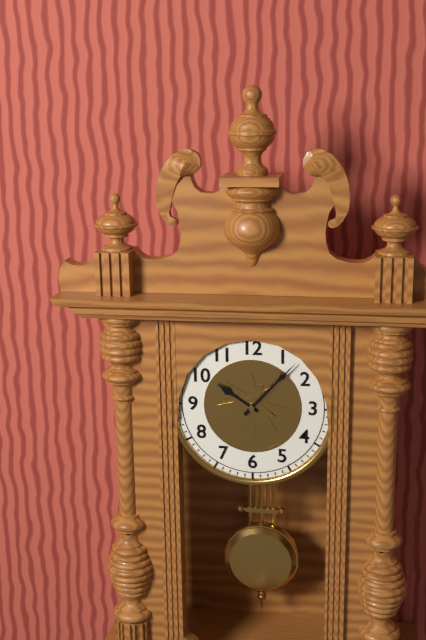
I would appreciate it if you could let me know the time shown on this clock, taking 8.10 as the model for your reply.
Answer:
10.07
